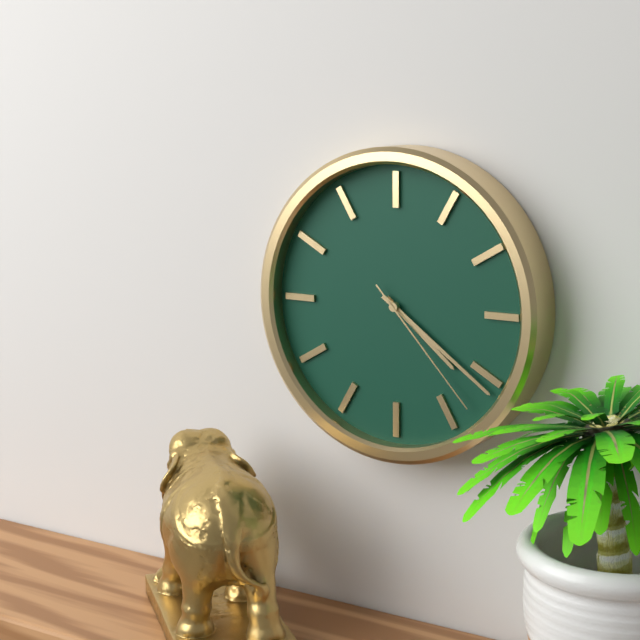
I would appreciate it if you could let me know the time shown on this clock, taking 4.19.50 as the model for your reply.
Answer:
4.21.23
